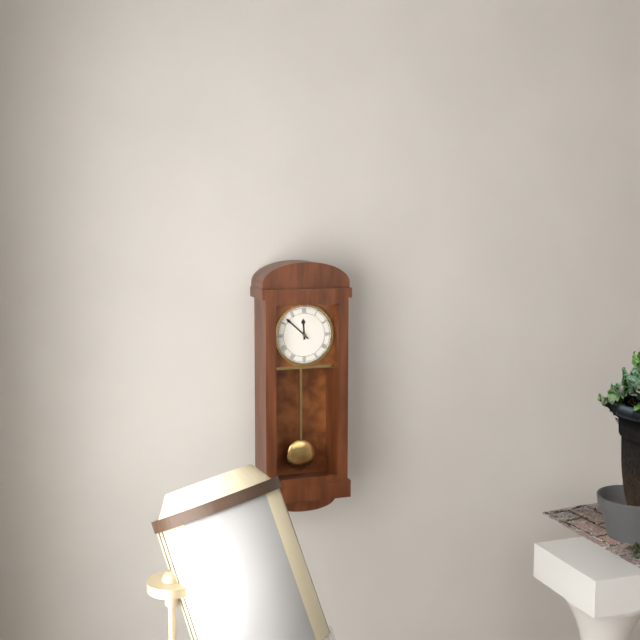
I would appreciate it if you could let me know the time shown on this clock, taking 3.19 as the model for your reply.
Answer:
11.52
